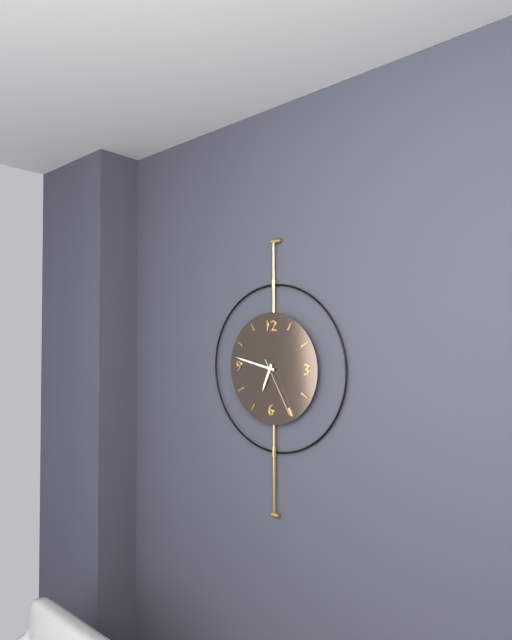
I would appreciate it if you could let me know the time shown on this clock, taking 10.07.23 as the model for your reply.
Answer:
6.47.25
